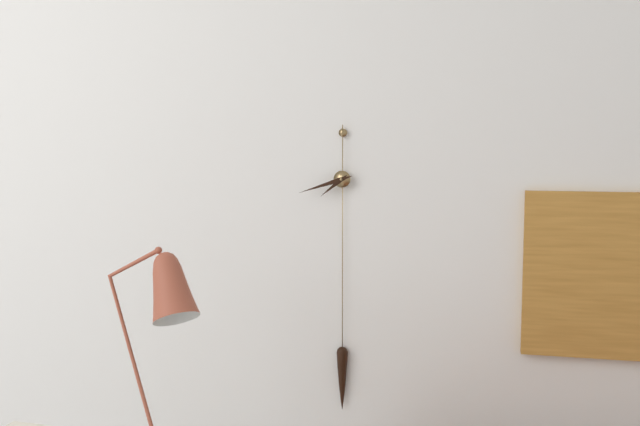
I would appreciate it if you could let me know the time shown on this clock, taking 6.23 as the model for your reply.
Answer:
7.42
